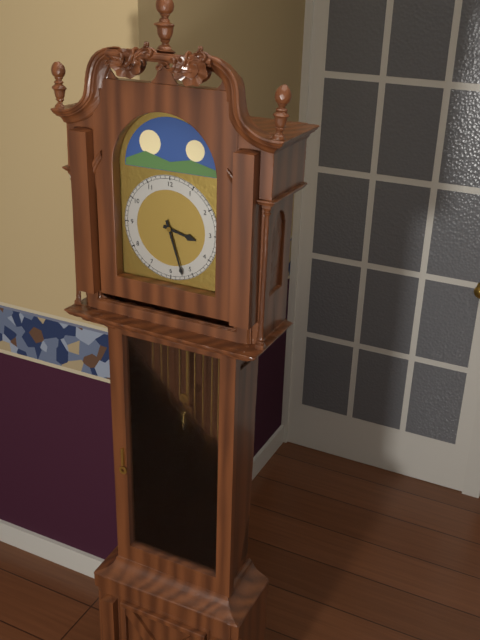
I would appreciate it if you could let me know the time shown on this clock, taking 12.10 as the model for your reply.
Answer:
3.27
